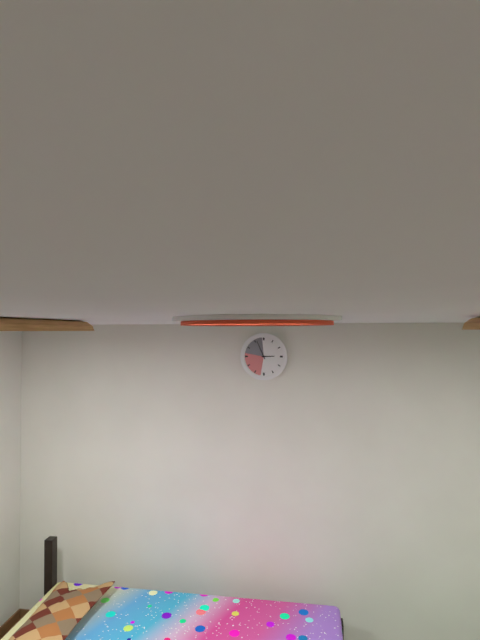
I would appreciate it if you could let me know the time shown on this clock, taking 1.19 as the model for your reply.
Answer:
2.56
